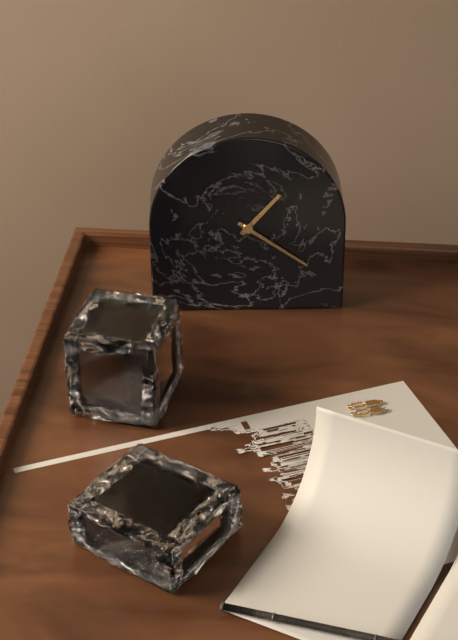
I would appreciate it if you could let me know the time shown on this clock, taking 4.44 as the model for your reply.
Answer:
1.21
